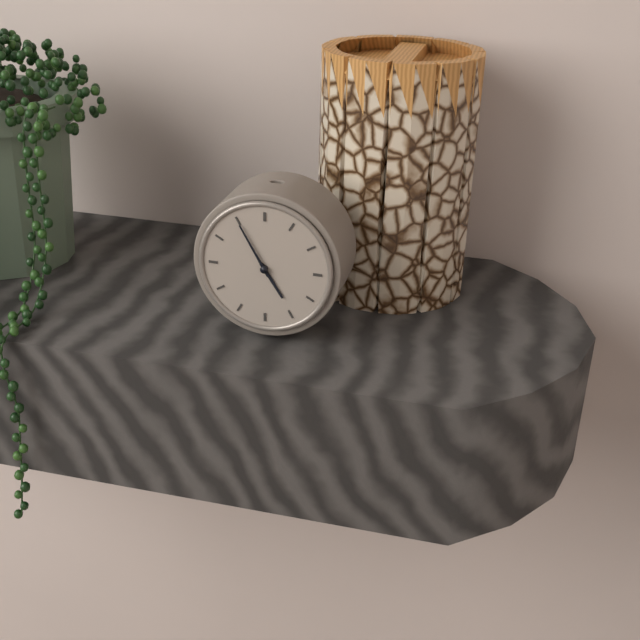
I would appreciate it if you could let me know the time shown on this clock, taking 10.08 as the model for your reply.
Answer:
4.55
